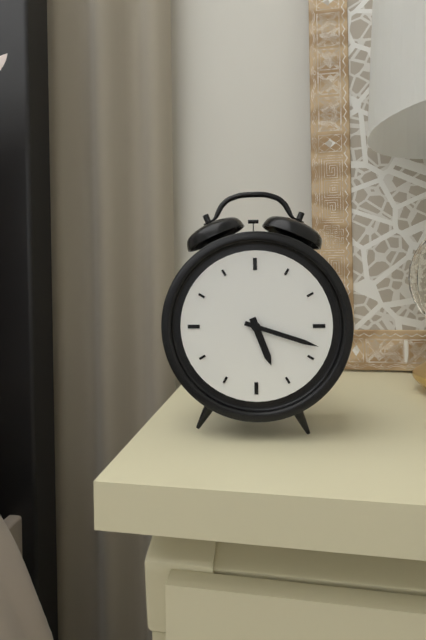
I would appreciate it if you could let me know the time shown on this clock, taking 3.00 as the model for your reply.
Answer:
5.18
